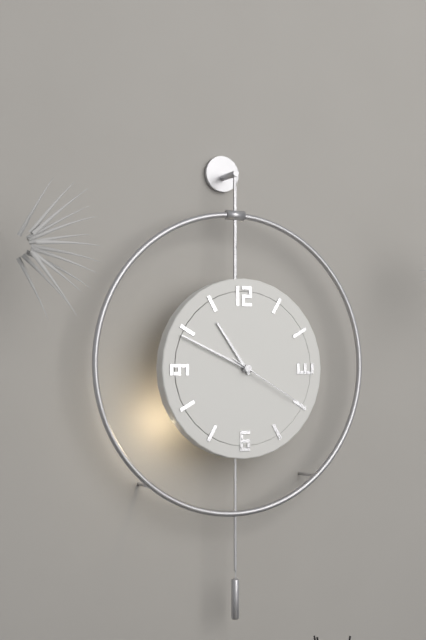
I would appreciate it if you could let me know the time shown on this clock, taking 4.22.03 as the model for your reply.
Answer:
10.49.20
